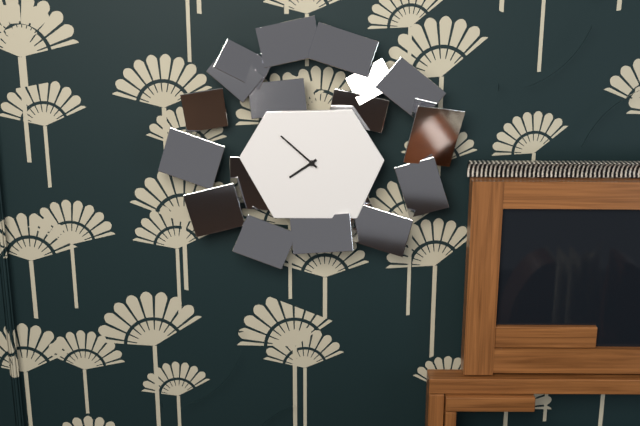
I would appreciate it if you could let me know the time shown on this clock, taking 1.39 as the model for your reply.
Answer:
7.52
